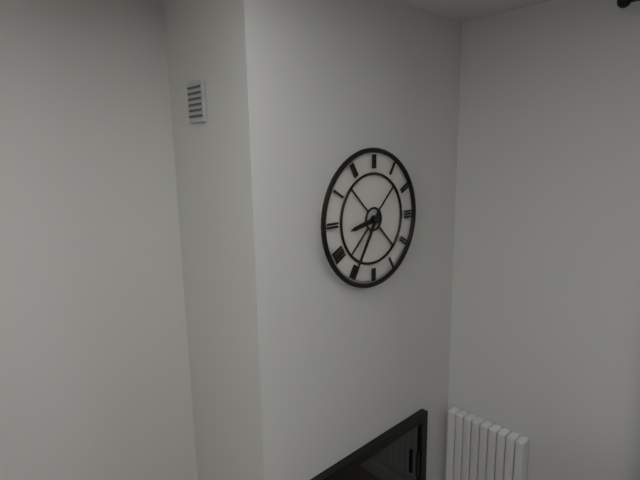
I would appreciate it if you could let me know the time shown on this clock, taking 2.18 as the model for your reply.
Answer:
8.35
